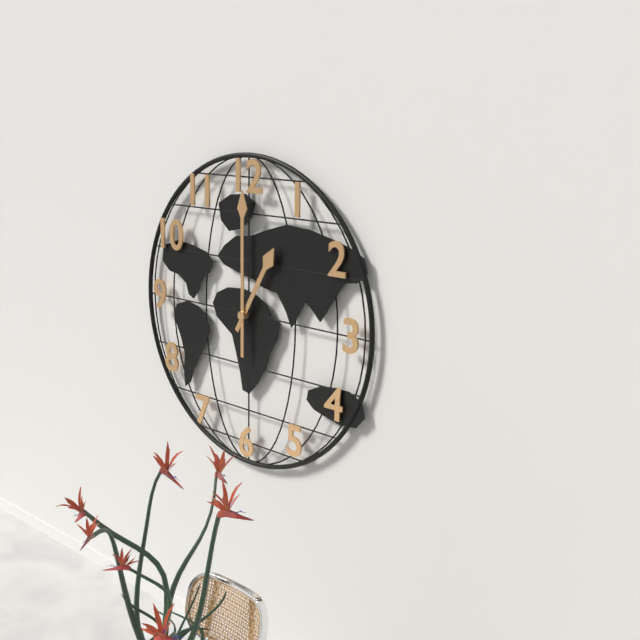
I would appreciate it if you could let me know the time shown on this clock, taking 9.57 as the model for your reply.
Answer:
1.00
